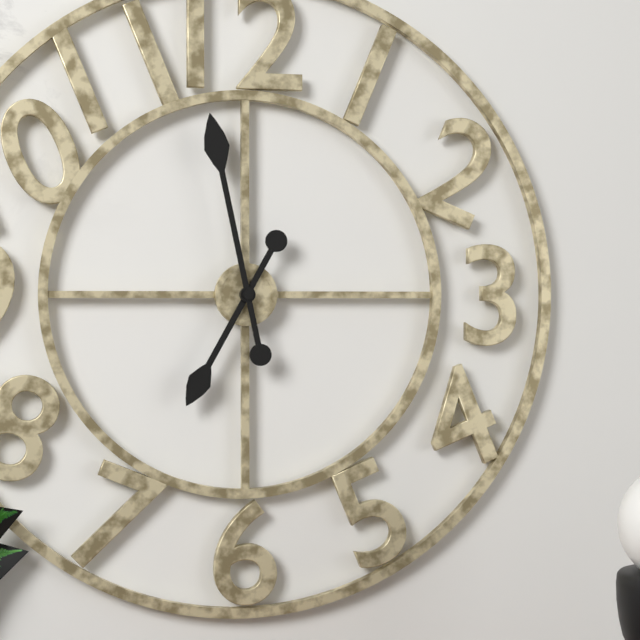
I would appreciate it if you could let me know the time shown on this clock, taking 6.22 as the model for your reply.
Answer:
6.58
